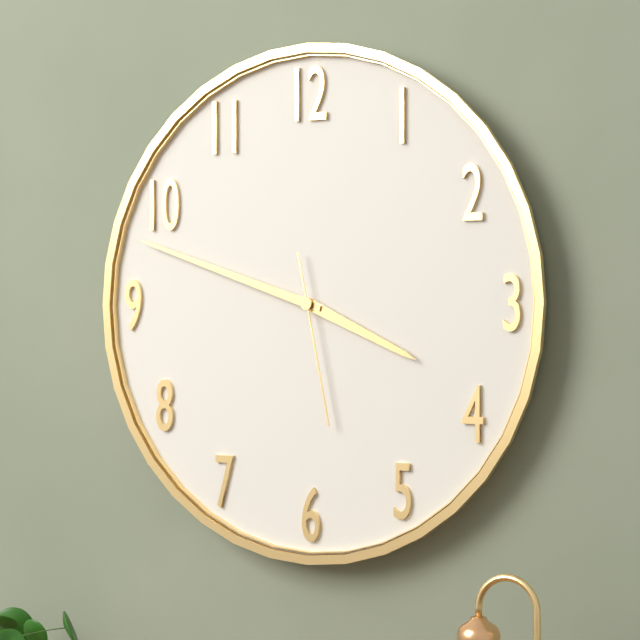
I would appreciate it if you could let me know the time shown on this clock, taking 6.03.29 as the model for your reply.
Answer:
3.48.28
